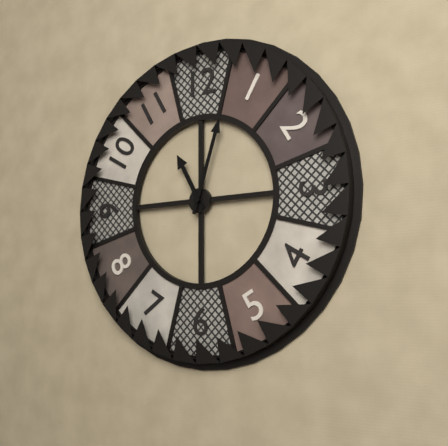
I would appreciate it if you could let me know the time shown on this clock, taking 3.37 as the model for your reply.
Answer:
11.03
